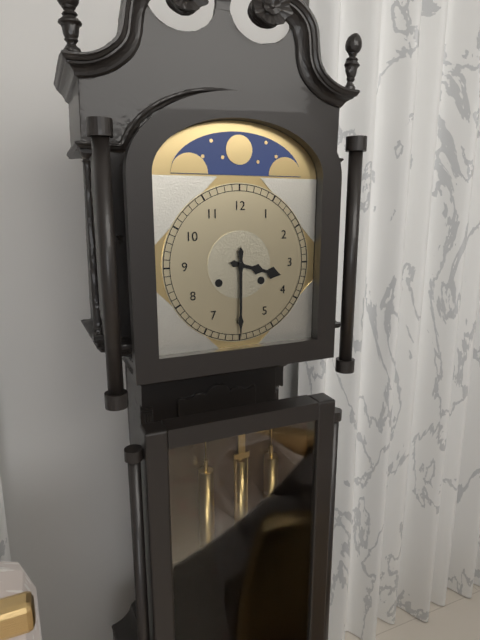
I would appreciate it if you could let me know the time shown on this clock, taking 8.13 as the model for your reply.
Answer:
3.30
